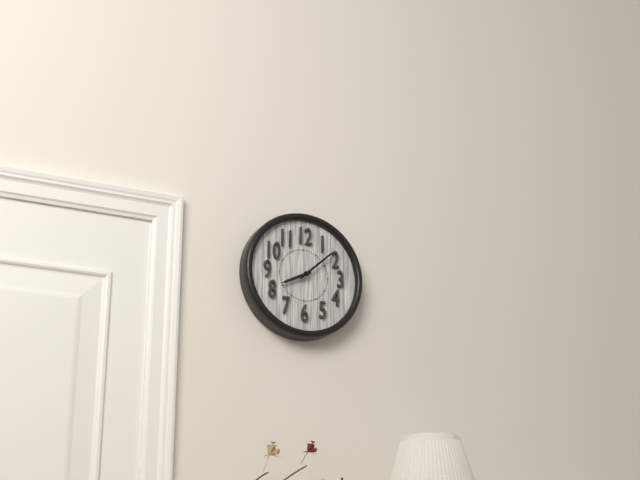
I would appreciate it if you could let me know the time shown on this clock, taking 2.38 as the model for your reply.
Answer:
8.08
